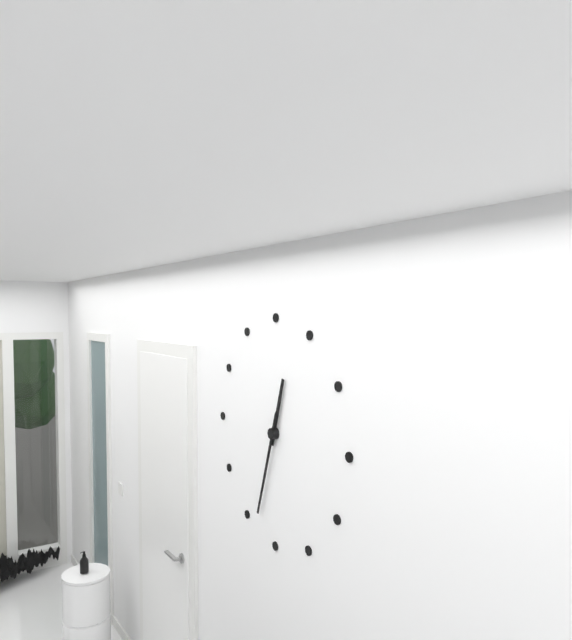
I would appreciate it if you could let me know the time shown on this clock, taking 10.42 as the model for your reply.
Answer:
12.33
